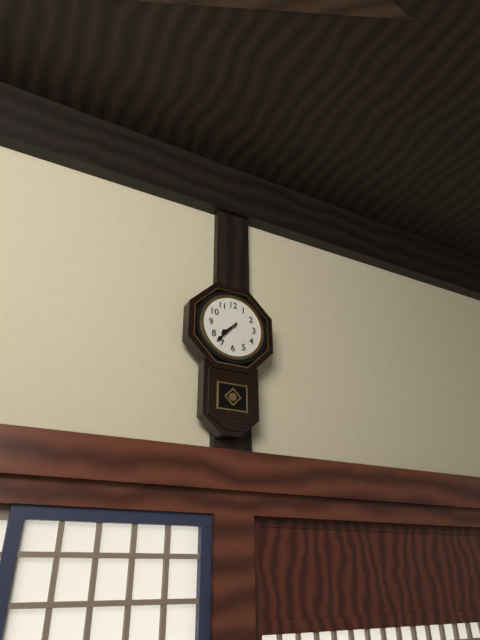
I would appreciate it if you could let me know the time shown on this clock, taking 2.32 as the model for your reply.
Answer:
7.37
